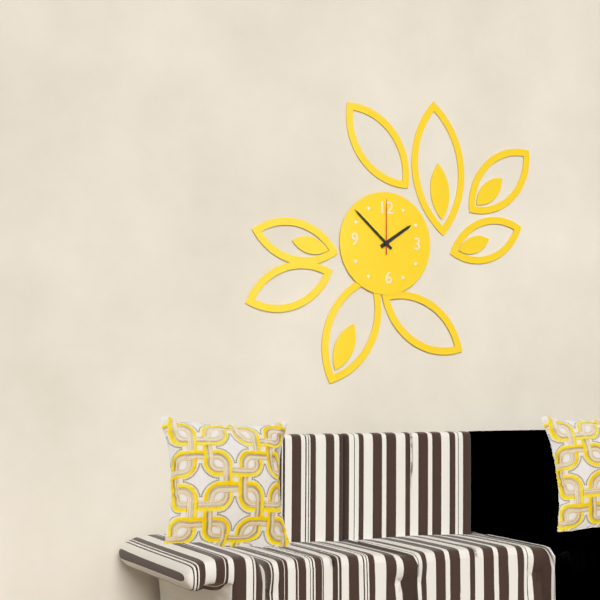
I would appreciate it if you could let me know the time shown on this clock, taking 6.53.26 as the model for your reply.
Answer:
1.52.00
